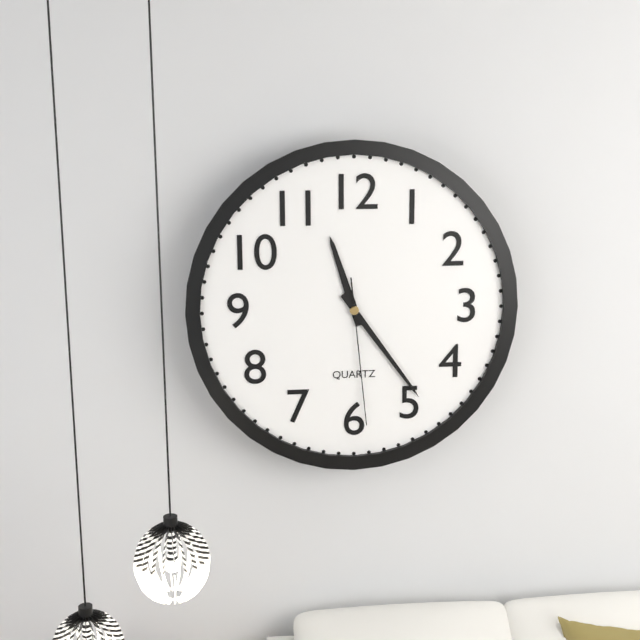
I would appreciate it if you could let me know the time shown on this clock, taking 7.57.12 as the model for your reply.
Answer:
11.24.29
